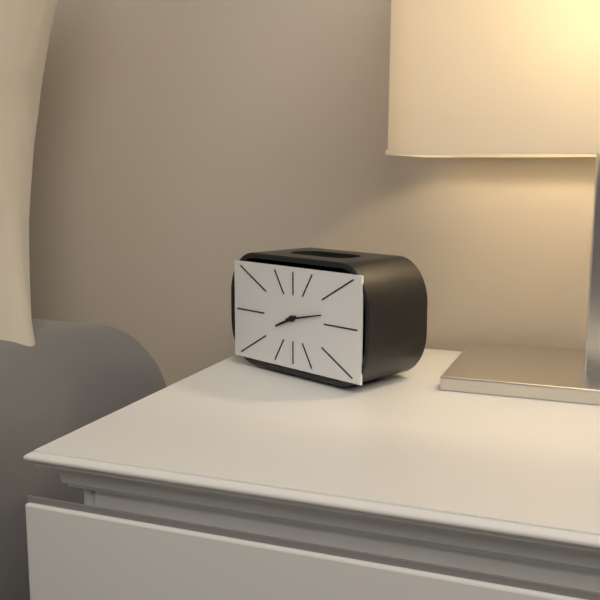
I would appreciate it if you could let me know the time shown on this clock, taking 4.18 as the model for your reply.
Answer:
8.13
